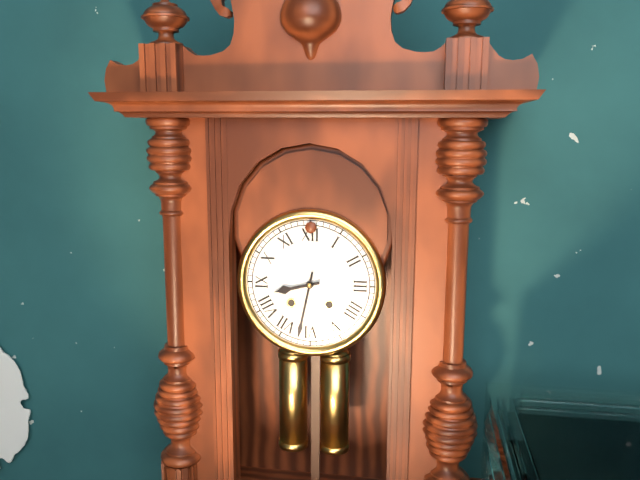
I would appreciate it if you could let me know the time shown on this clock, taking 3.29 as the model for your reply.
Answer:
8.32
